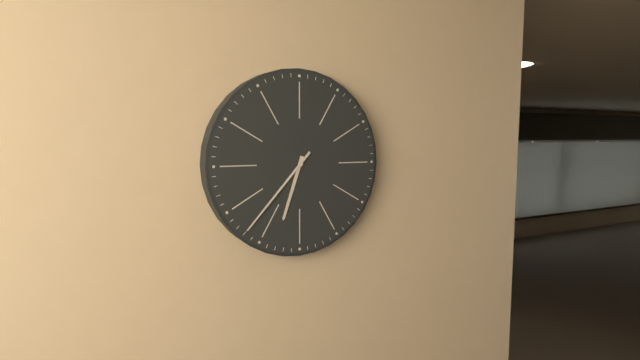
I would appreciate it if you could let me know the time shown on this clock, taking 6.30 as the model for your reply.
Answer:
6.37
